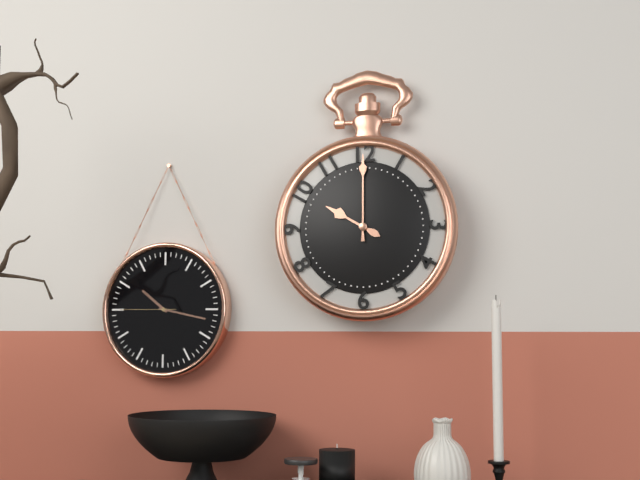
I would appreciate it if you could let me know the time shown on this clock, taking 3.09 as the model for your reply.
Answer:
10.00
